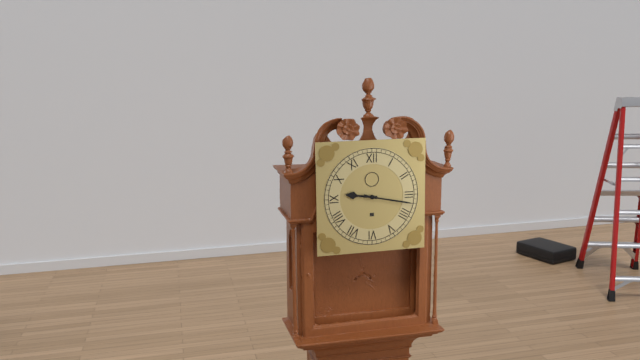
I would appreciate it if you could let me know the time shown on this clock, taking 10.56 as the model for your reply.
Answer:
9.17
